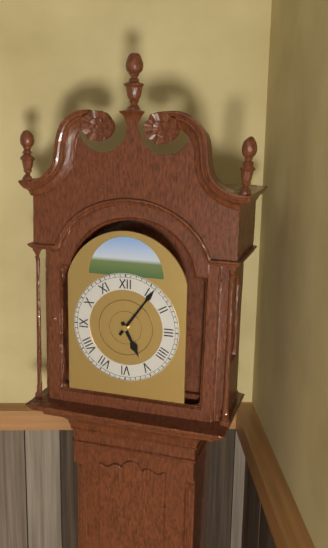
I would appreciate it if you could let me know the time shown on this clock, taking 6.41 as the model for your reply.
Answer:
5.06
